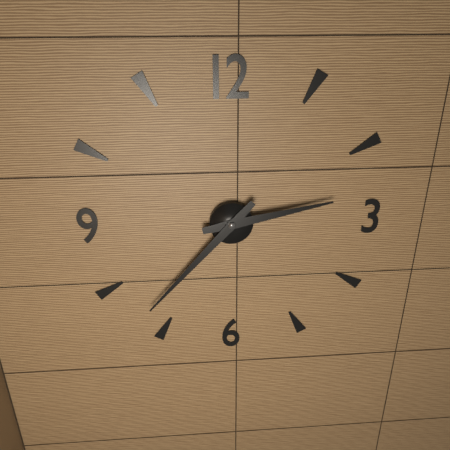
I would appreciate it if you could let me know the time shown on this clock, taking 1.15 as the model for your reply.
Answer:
2.37
